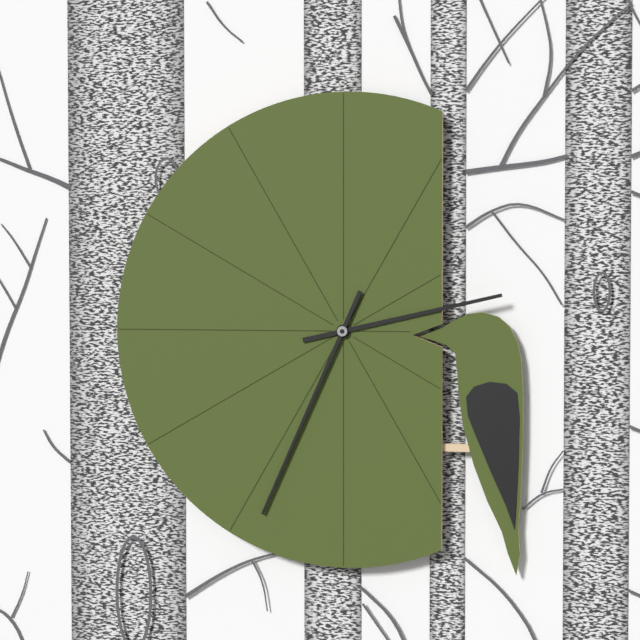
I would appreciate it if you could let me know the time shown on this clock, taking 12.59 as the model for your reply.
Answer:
2.34
